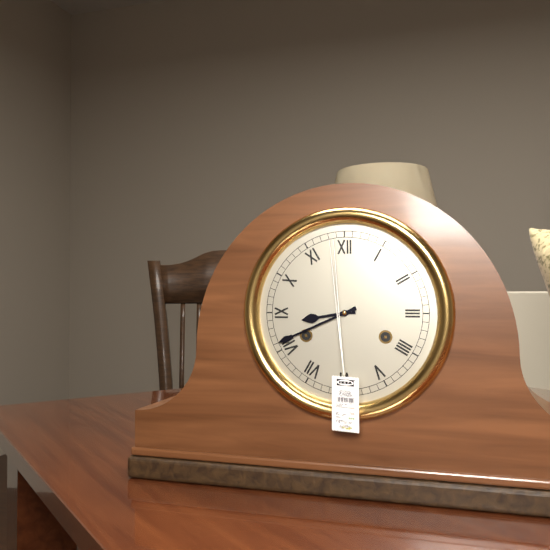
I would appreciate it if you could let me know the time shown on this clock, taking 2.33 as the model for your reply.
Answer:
8.41
